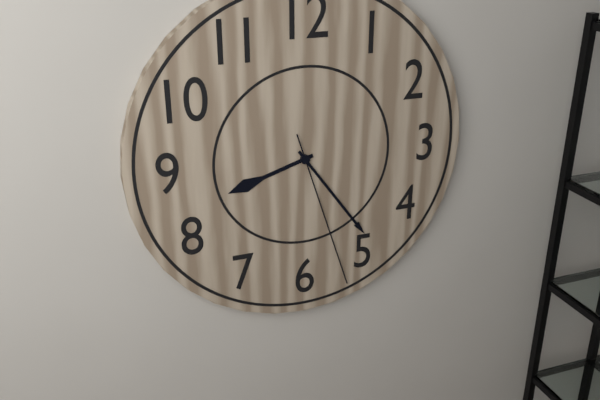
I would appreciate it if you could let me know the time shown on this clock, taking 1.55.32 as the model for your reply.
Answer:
8.24.27
